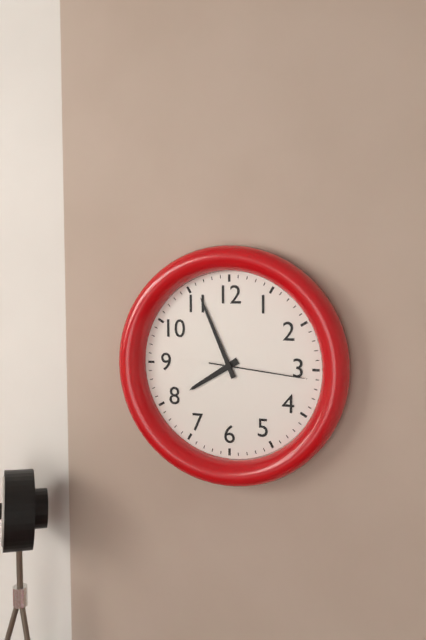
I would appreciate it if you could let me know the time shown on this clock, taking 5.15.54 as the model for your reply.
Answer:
7.56.16
